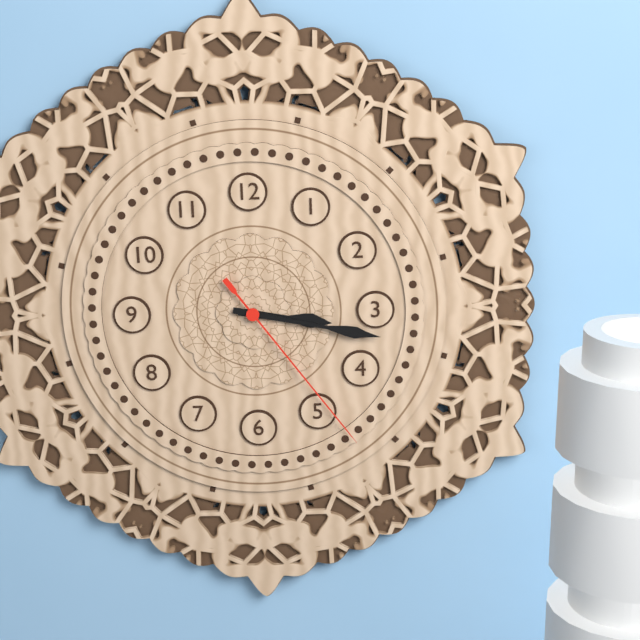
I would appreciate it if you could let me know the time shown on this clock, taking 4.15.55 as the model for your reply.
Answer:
3.17.24
